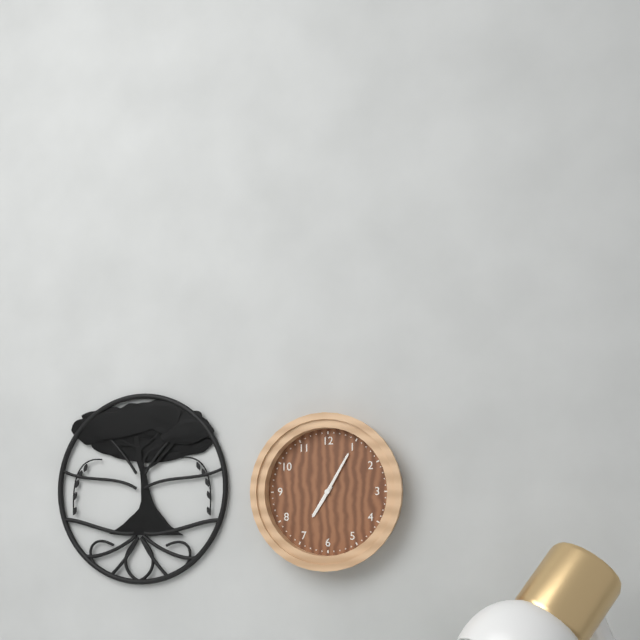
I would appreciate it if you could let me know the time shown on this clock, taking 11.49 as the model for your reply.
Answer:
7.05
